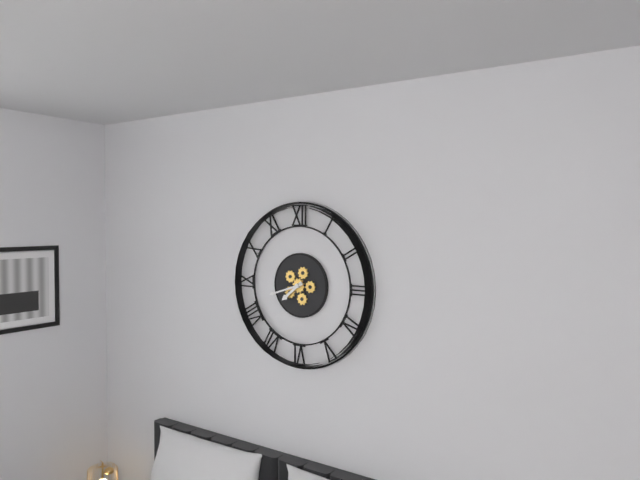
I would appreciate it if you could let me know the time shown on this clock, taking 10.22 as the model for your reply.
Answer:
7.42
